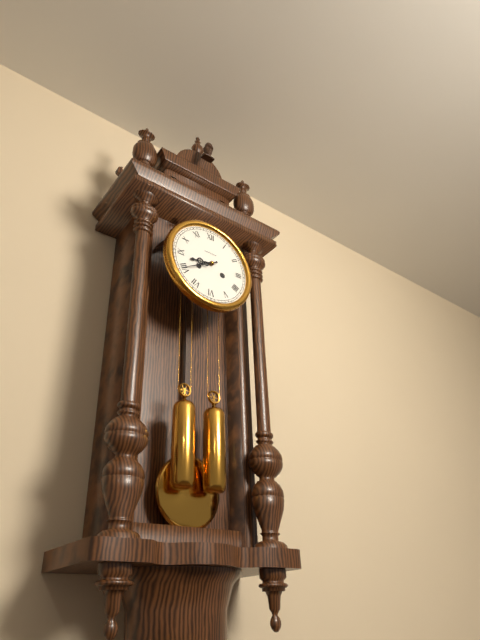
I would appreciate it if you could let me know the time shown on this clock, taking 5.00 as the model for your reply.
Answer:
8.40
